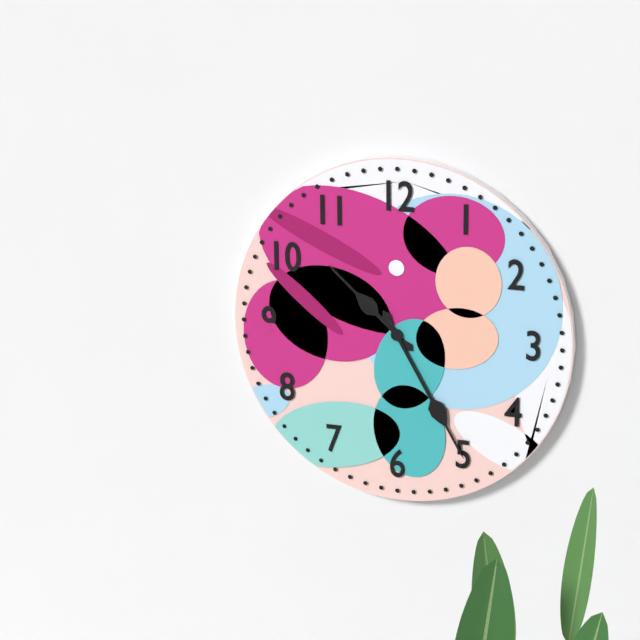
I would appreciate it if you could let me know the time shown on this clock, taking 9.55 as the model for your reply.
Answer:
10.25
